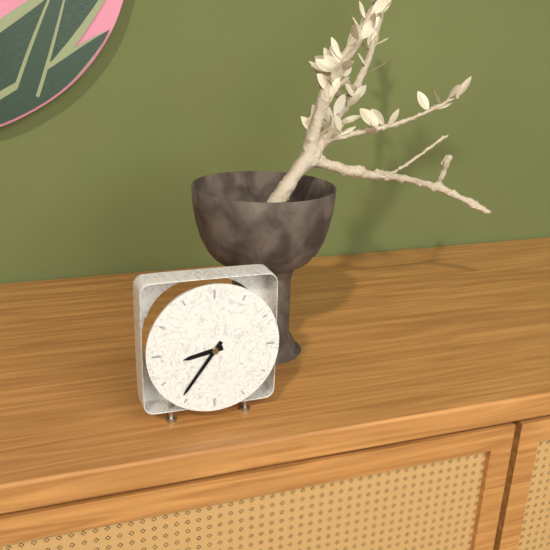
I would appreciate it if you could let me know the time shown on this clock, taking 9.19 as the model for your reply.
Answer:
8.36
